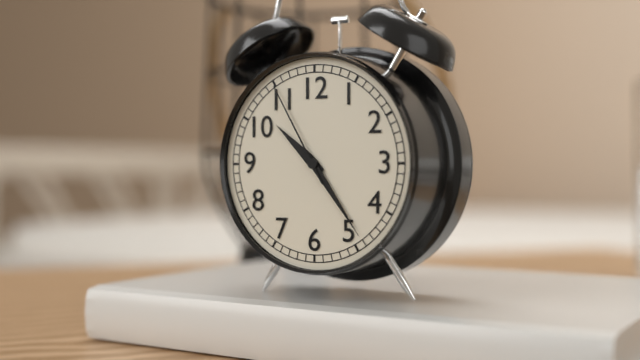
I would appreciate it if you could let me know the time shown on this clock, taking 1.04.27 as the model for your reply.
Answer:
10.24.55
